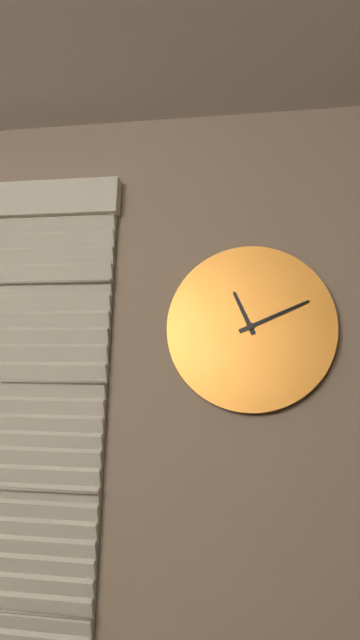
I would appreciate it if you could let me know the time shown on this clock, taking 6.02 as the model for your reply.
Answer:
11.11
